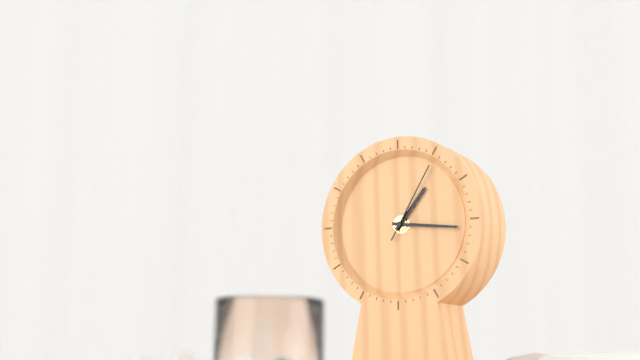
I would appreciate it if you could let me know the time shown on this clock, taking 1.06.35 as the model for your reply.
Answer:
1.16.05
